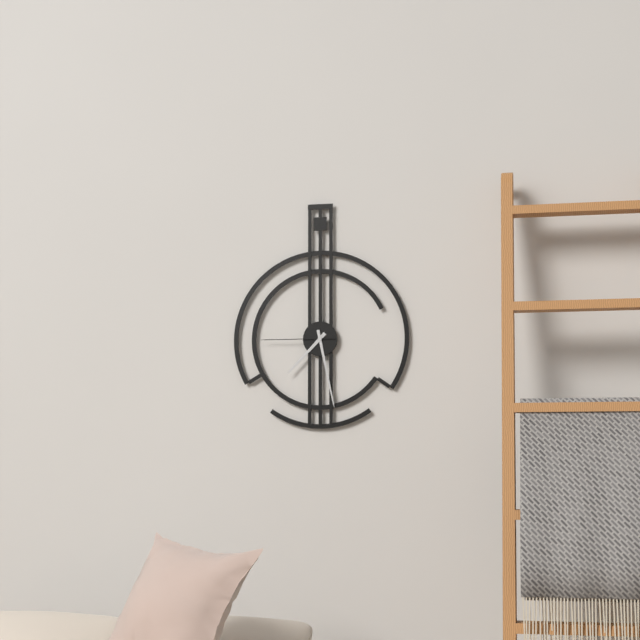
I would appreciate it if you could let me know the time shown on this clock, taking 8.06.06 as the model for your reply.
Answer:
7.28.45
